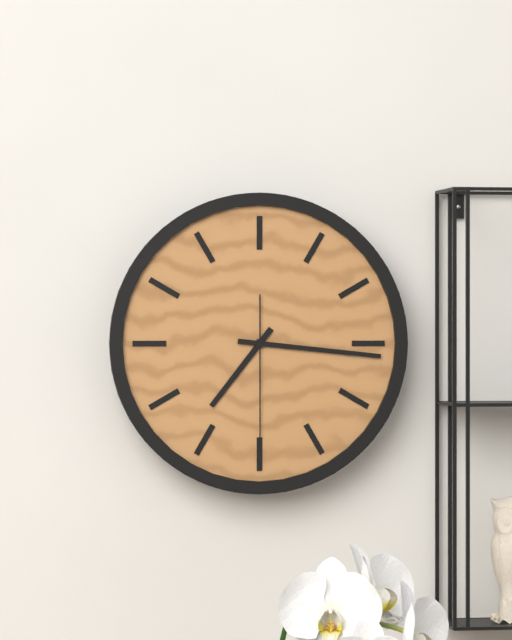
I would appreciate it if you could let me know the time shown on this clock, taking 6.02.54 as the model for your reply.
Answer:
7.16.30
